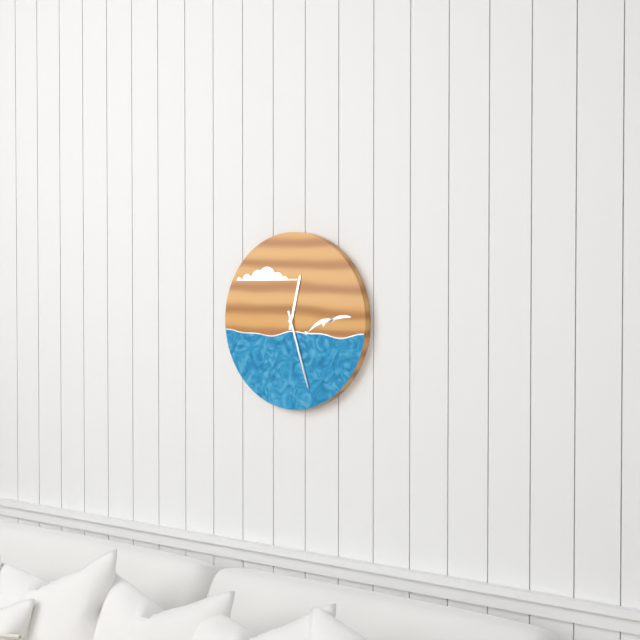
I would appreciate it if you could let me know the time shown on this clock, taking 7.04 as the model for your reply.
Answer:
12.27
